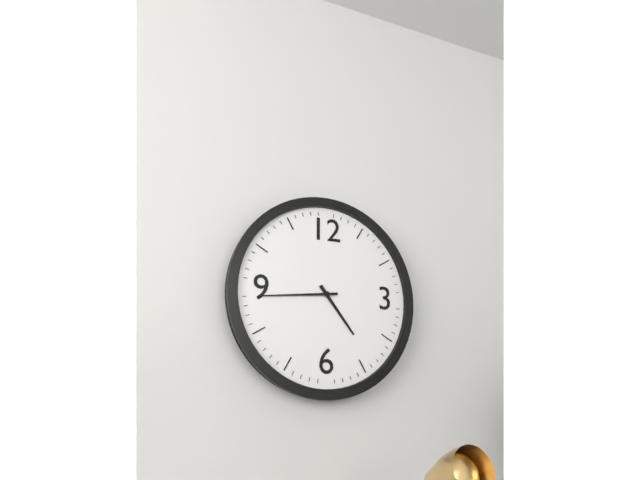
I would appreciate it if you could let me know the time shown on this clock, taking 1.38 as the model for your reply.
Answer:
4.44
